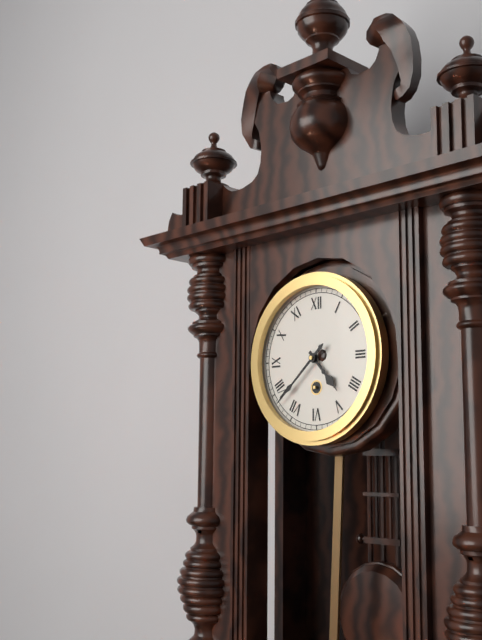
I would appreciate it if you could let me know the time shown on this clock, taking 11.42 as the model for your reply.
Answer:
4.38
